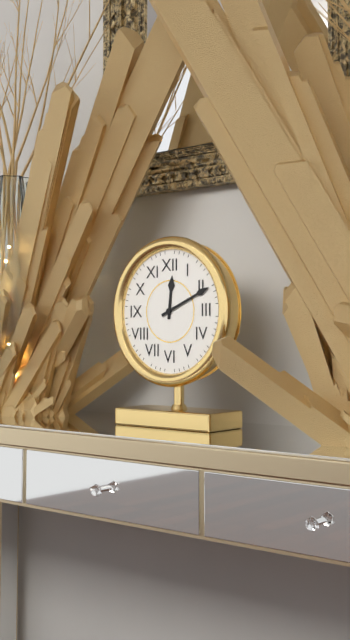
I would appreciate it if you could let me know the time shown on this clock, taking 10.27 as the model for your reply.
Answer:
12.11
